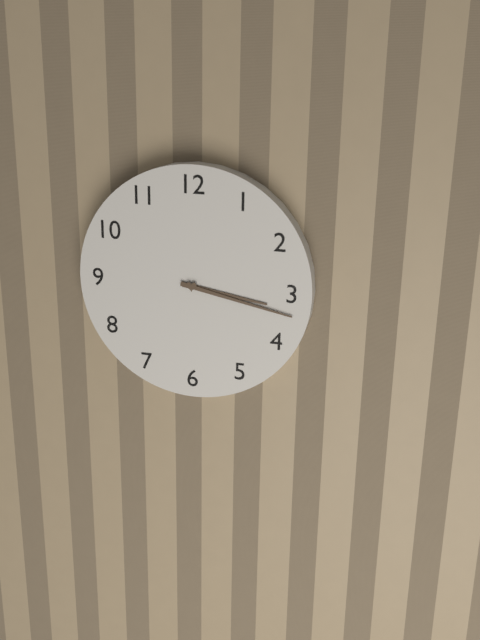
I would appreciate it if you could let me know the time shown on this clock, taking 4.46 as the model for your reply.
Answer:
3.17
